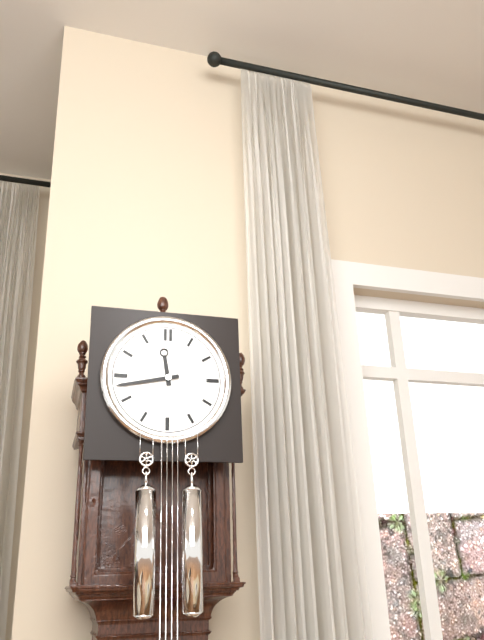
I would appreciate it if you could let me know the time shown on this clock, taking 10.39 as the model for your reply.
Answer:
11.43
